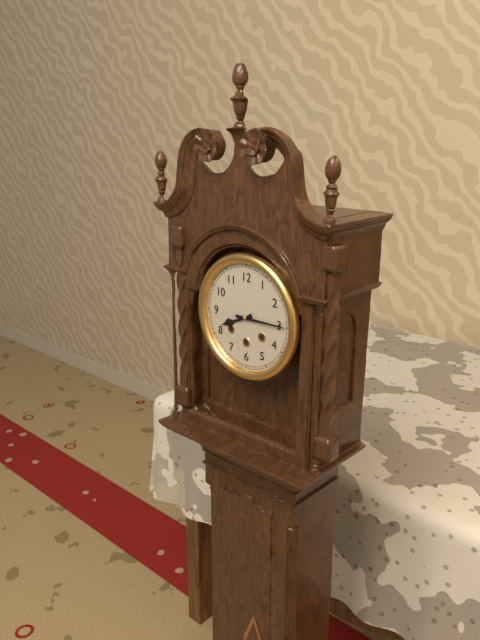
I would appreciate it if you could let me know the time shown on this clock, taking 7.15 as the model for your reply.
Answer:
8.15
